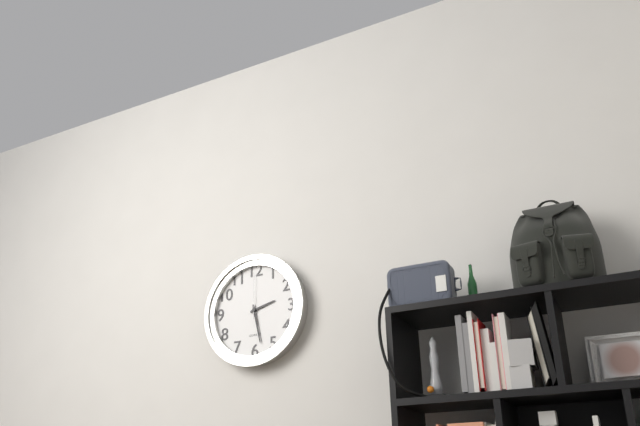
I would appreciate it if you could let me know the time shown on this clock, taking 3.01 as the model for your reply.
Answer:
2.28
